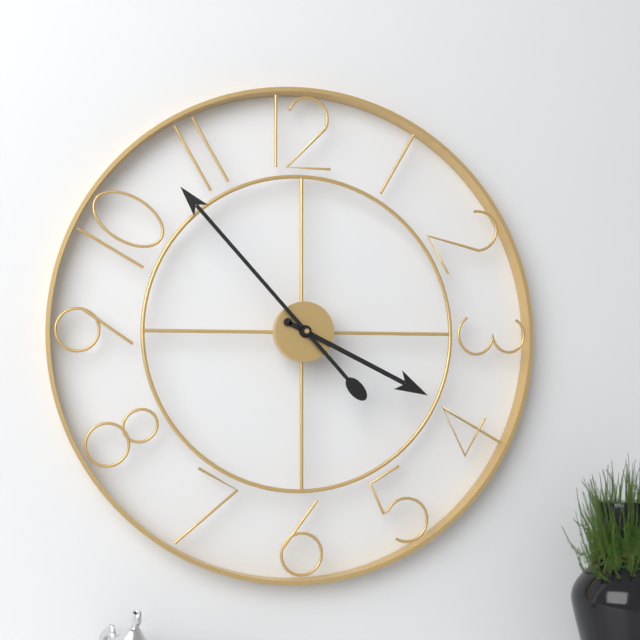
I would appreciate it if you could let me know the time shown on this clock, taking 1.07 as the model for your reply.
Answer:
3.53
